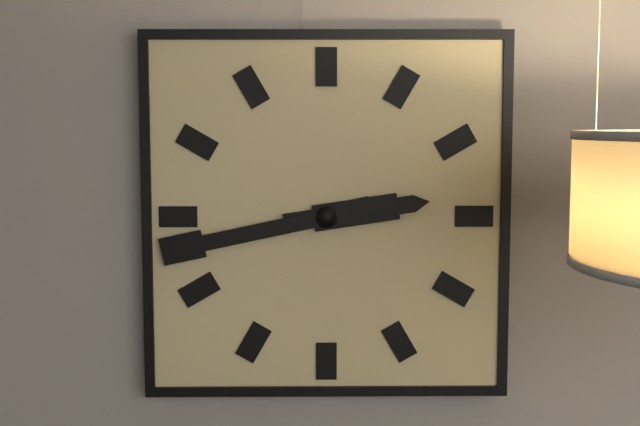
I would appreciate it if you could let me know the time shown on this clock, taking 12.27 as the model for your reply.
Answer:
2.43
